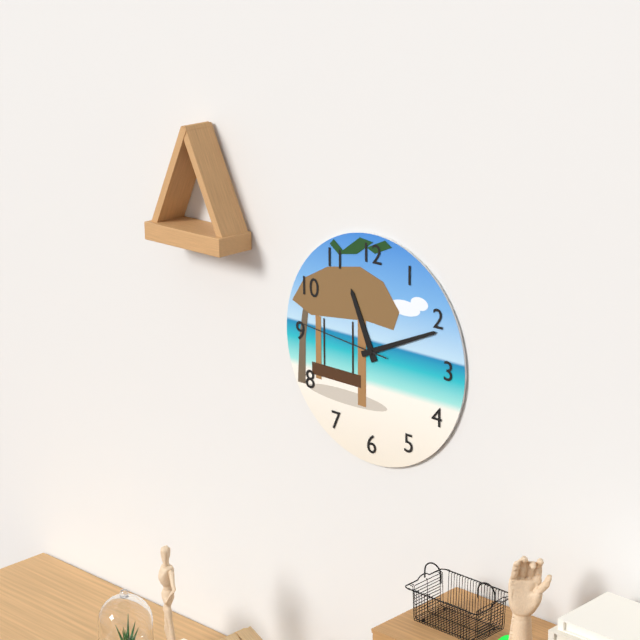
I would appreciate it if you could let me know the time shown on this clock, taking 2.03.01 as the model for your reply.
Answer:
11.11.46
